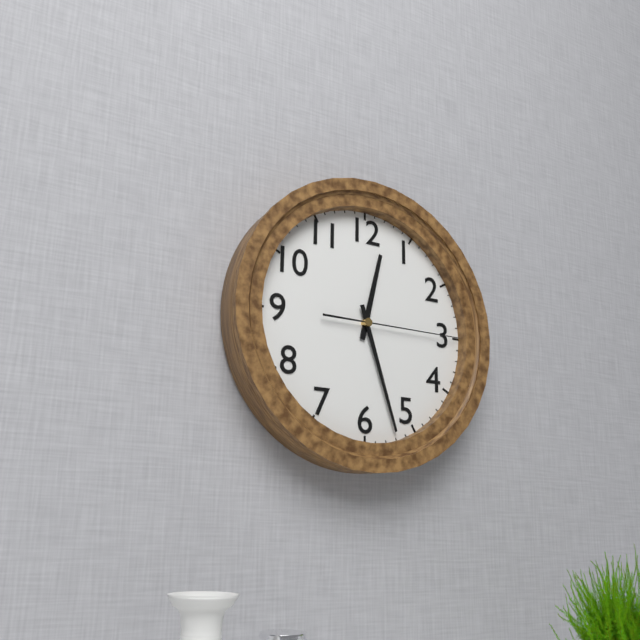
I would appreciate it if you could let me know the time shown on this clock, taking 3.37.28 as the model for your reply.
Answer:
12.27.15
